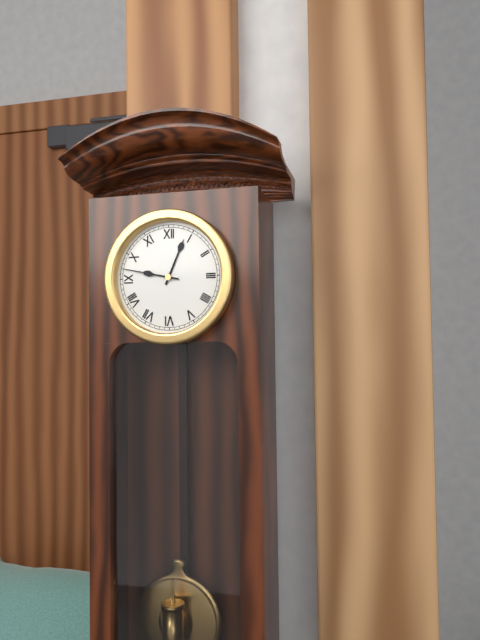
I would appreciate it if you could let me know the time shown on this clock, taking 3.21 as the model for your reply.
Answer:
12.47
